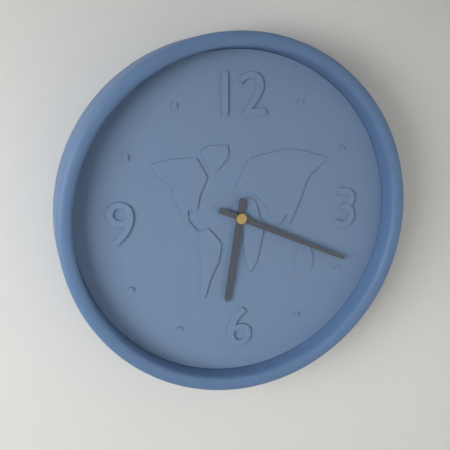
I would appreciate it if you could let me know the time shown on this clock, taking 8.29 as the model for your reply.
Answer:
6.19
